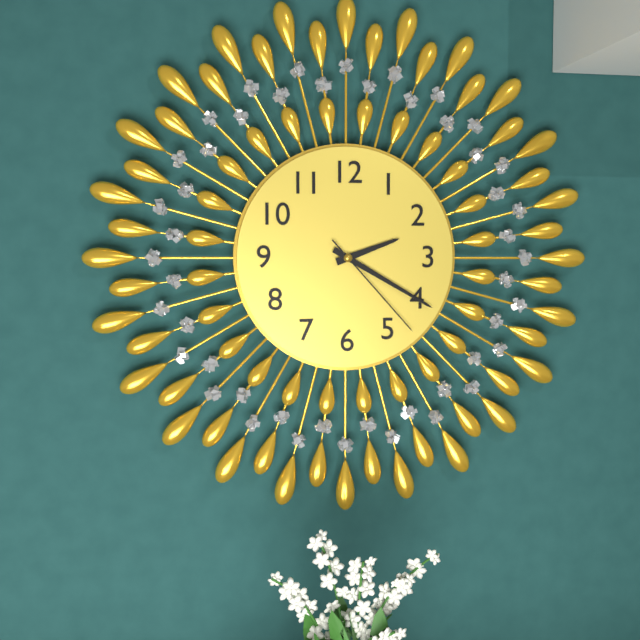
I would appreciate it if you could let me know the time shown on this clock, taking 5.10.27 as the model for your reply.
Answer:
2.20.23
